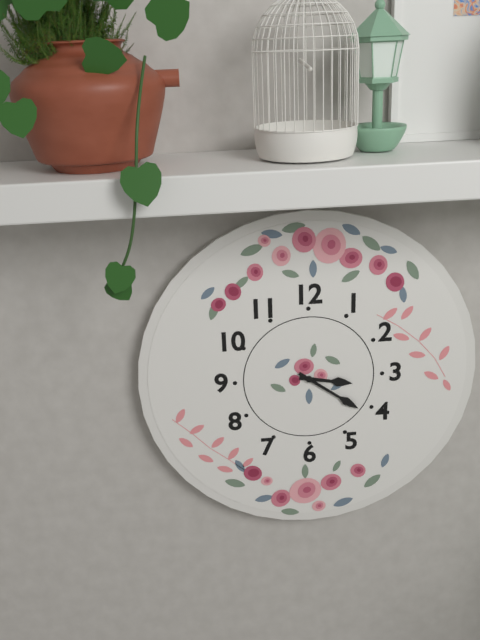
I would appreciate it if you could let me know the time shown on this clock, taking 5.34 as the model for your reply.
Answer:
3.21
